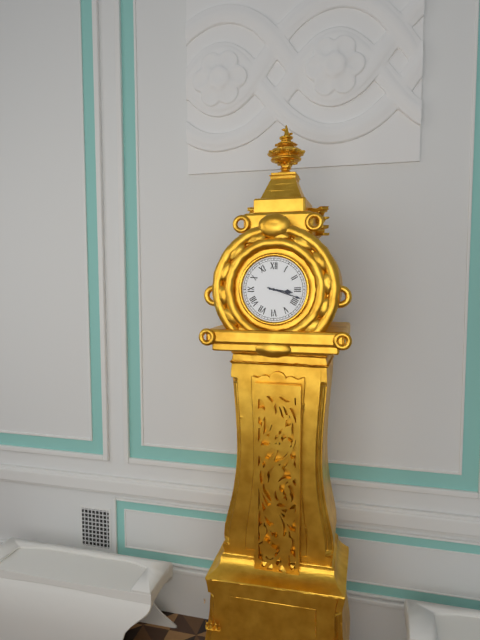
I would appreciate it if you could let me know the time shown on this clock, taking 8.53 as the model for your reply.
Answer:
3.18
